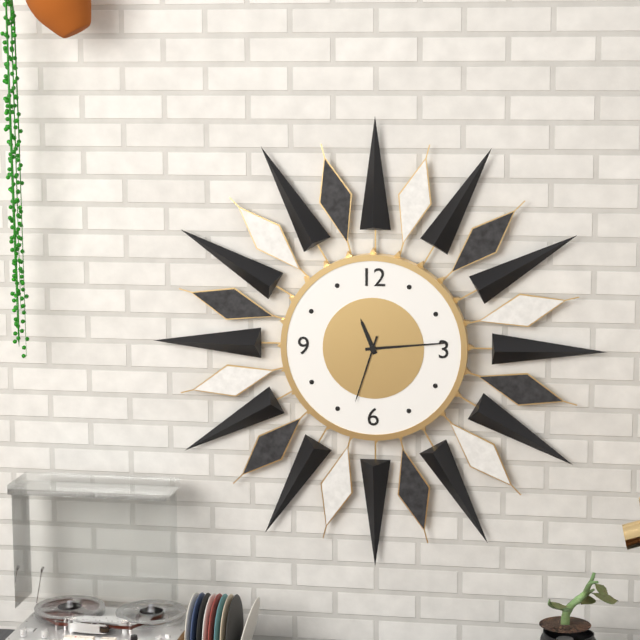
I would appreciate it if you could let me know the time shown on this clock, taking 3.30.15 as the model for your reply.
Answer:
11.14.33
